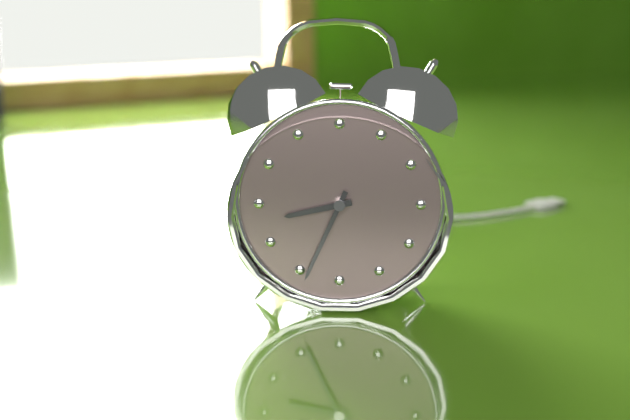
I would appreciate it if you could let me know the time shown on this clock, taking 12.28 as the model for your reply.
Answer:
8.34
